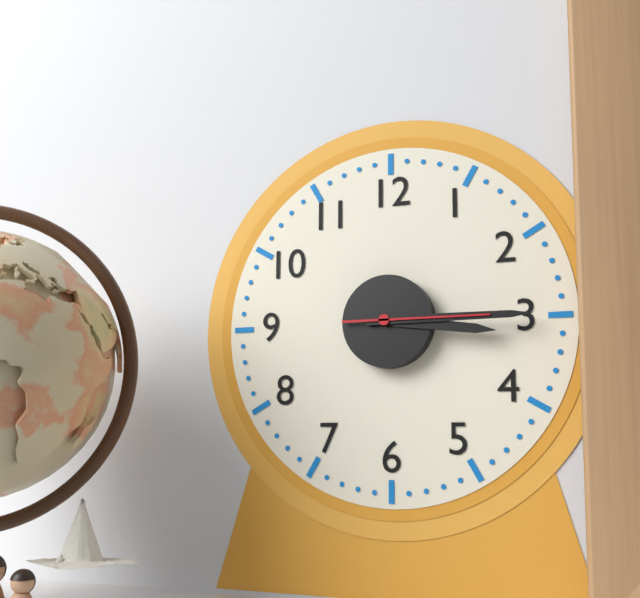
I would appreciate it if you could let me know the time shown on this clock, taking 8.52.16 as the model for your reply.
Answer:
3.15.15
